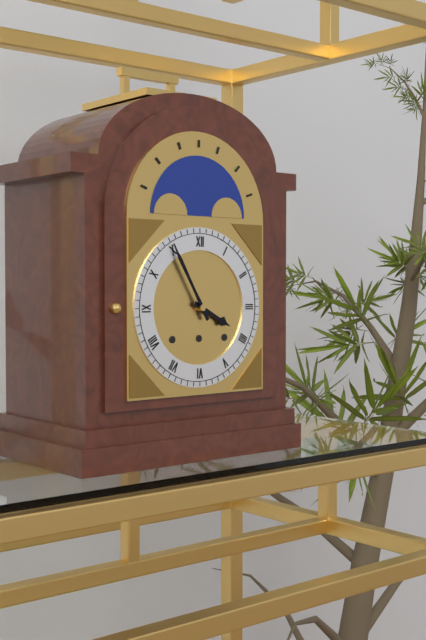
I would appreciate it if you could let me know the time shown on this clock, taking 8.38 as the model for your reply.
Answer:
3.55
